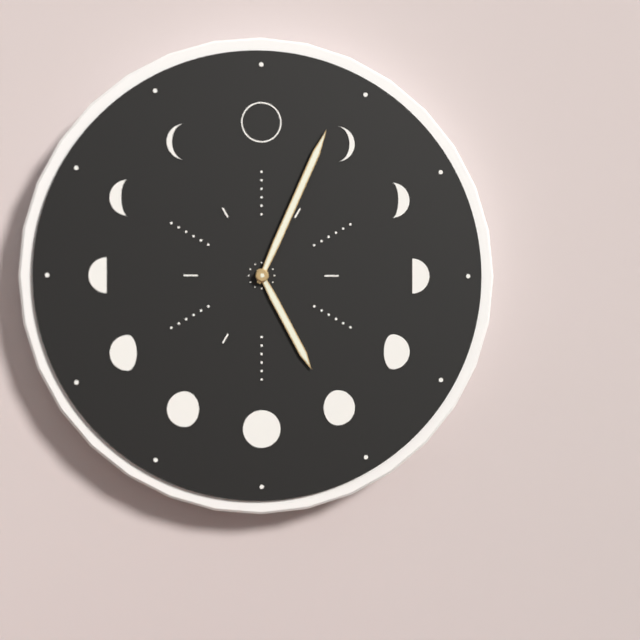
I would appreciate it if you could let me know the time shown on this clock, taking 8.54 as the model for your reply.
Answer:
5.04
